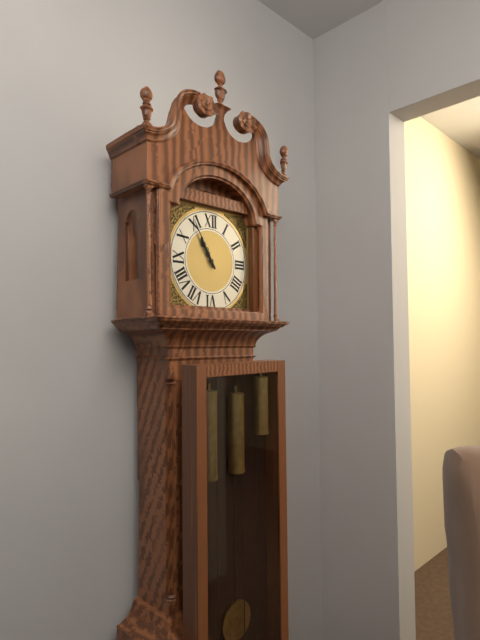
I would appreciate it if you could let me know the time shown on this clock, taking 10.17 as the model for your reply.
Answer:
10.55
